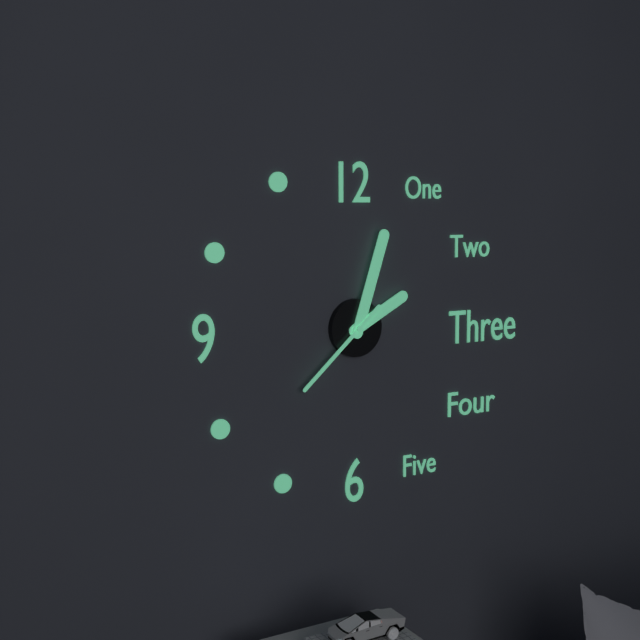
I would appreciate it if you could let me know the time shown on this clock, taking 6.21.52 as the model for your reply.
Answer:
2.03.38
